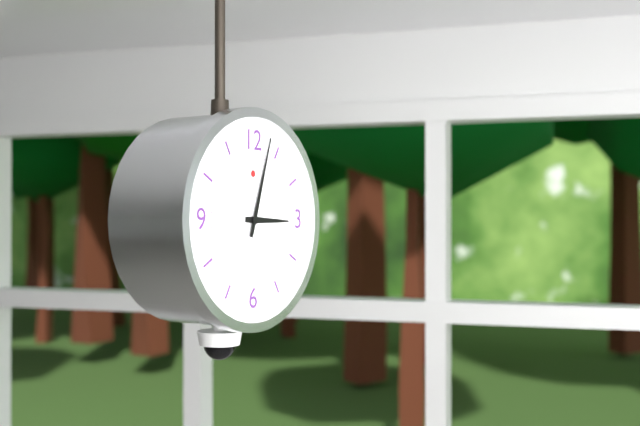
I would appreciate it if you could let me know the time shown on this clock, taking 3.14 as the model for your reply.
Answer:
3.03
